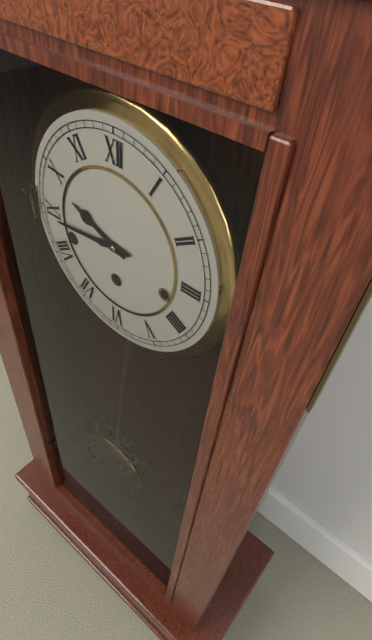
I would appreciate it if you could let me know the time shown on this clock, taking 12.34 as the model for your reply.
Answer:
9.44
